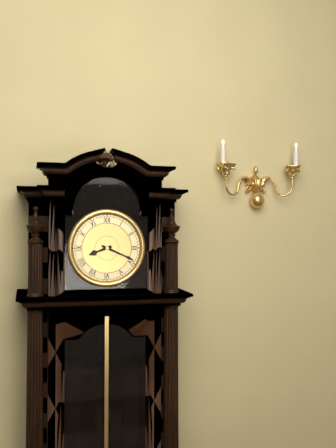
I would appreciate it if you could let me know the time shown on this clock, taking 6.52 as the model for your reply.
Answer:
8.19
